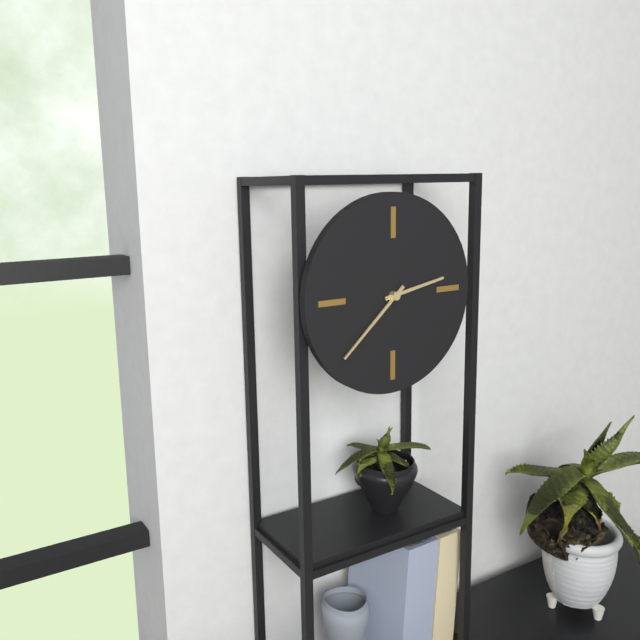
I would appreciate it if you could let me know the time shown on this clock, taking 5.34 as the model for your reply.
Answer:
2.38
